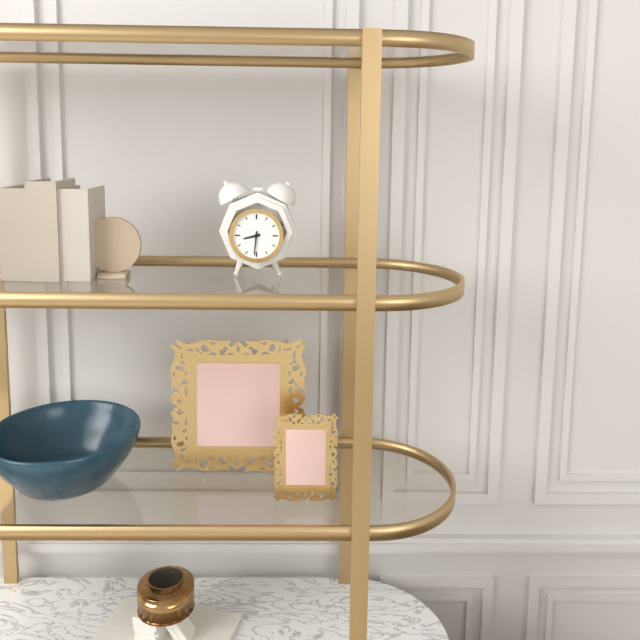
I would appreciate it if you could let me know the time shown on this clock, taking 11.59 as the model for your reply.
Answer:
8.31
